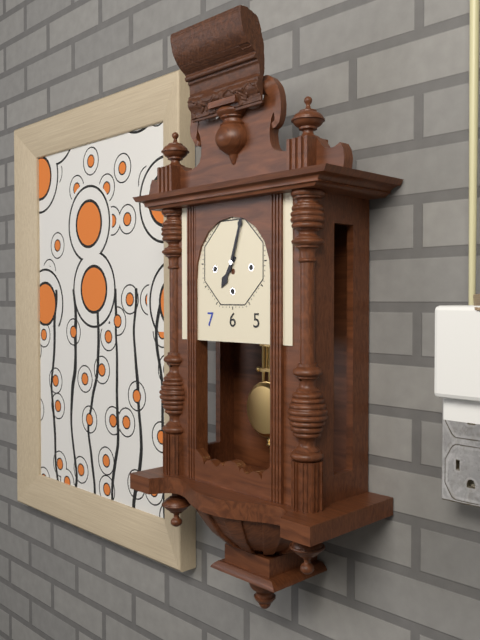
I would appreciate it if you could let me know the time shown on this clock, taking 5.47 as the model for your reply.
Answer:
7.03
